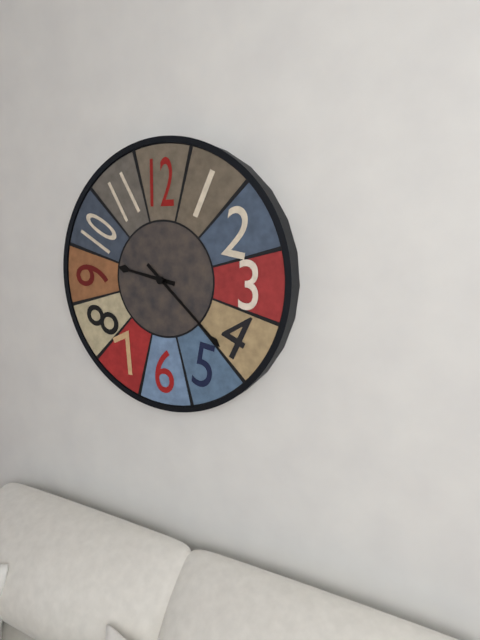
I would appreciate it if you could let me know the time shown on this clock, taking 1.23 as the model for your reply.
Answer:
9.22
